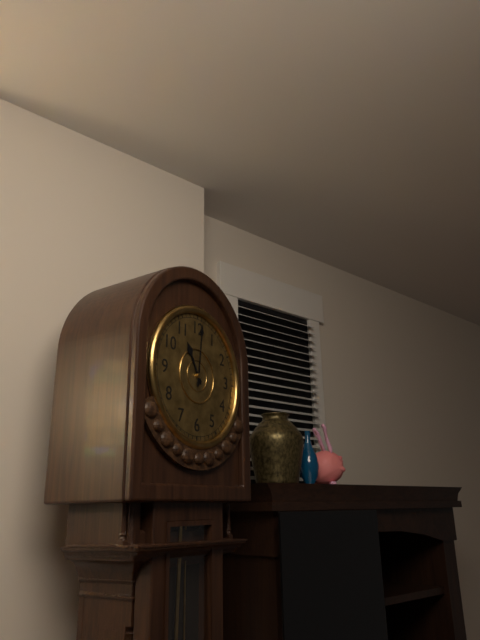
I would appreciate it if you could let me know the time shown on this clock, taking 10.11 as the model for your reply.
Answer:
11.01
